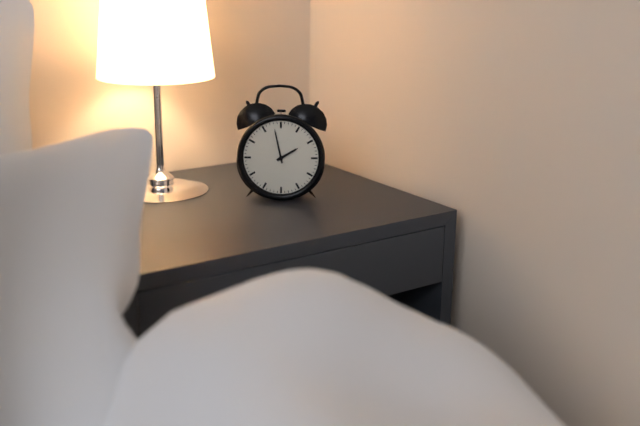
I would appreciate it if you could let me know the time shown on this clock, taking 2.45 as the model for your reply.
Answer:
1.58
